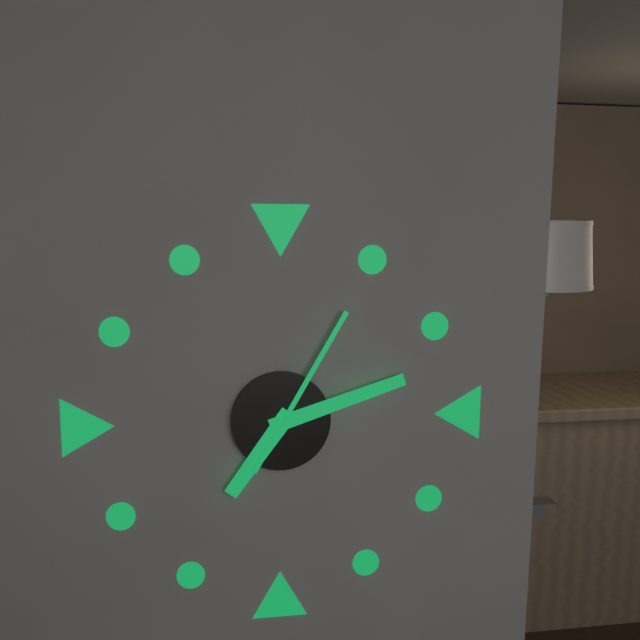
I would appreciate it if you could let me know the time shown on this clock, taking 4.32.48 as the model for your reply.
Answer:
7.12.05
